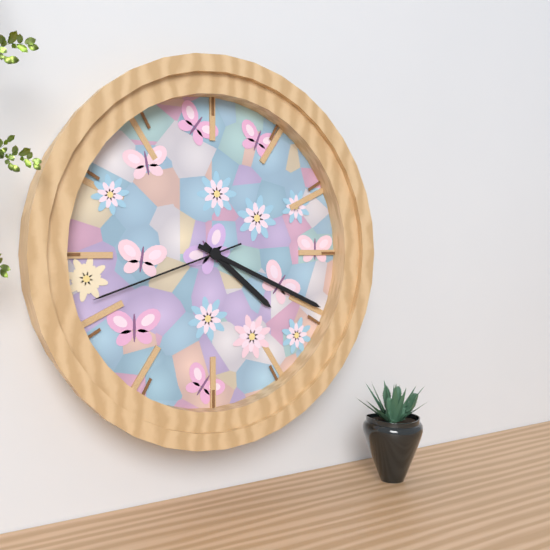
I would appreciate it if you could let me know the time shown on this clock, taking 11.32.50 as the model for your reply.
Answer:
4.19.42
